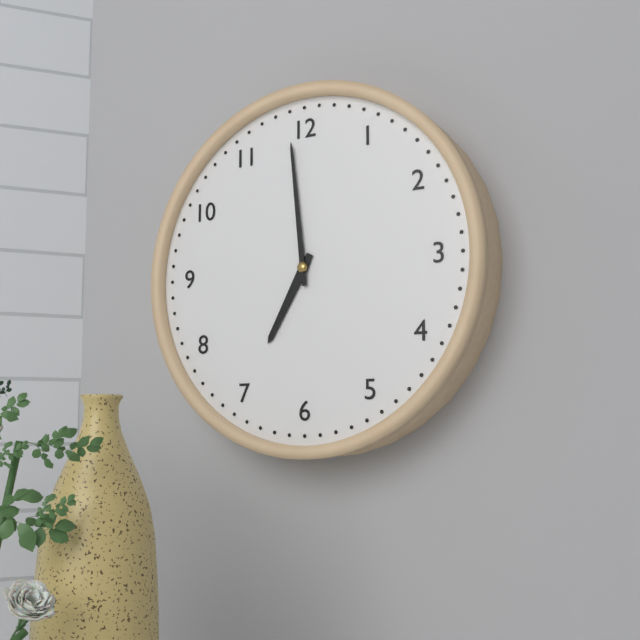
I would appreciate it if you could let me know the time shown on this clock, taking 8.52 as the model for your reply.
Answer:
6.59
